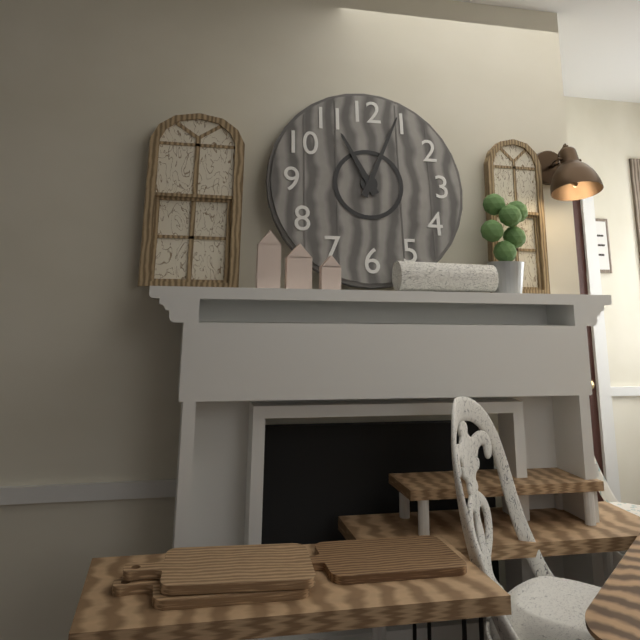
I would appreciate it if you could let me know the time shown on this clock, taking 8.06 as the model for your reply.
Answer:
11.04
